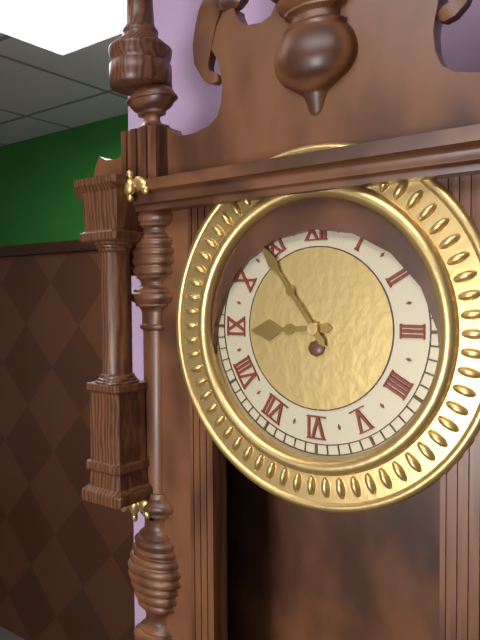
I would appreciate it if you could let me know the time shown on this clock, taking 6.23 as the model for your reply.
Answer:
8.54
